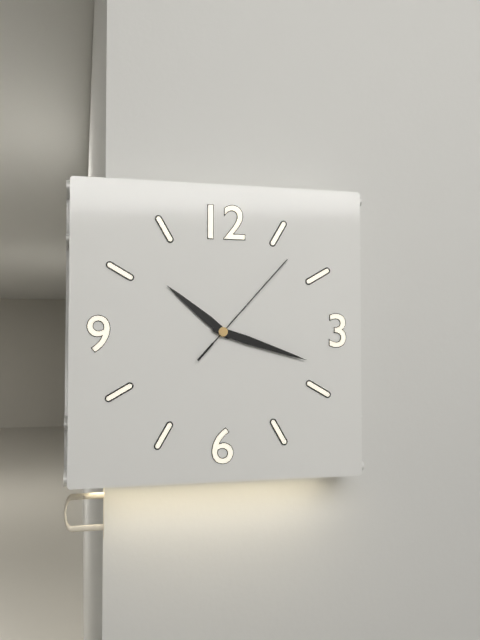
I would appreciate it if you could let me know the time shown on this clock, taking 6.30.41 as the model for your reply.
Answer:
10.18.07
